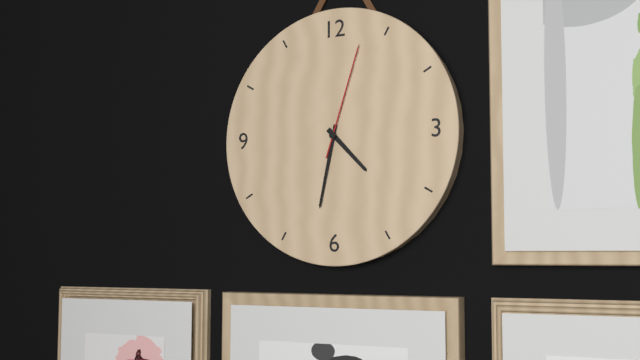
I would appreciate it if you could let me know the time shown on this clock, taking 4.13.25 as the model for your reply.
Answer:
4.32.03
